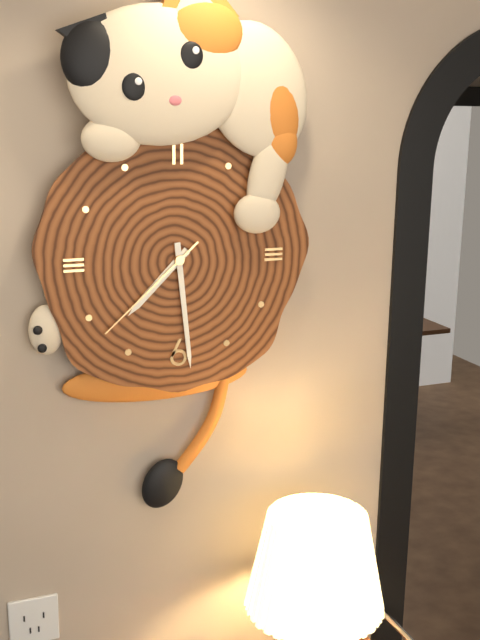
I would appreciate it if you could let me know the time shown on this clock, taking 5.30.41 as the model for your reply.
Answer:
7.29.38
